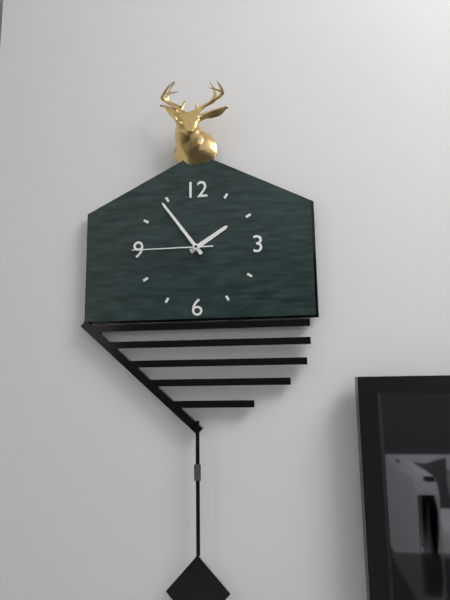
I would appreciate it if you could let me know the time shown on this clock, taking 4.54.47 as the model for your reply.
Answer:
1.54.45
